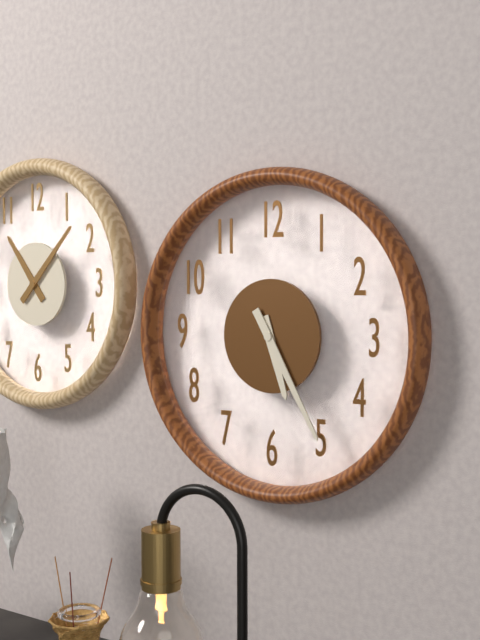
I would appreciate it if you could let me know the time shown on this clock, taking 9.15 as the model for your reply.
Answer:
5.25
